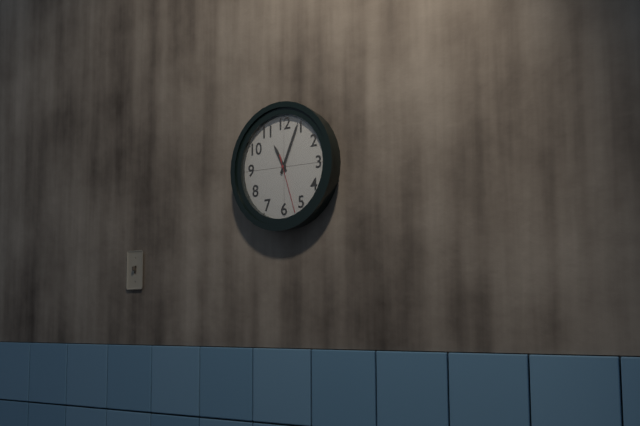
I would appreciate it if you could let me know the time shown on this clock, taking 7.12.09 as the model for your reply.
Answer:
11.04.27
